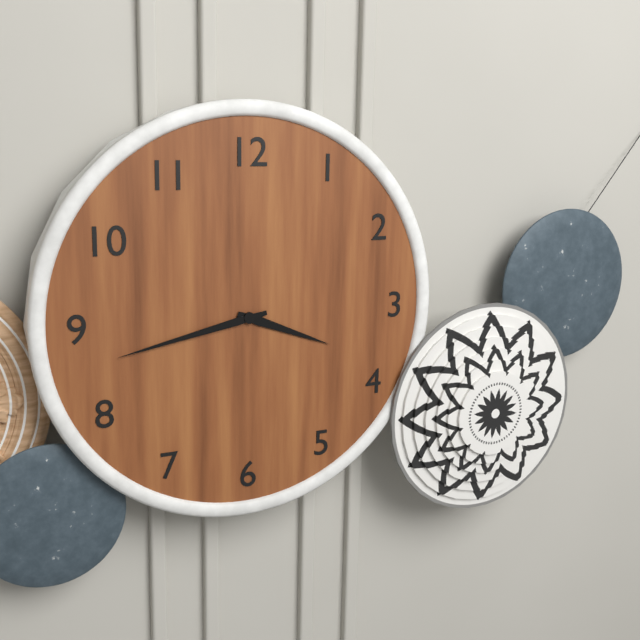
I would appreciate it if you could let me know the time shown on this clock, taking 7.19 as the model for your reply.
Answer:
3.43
